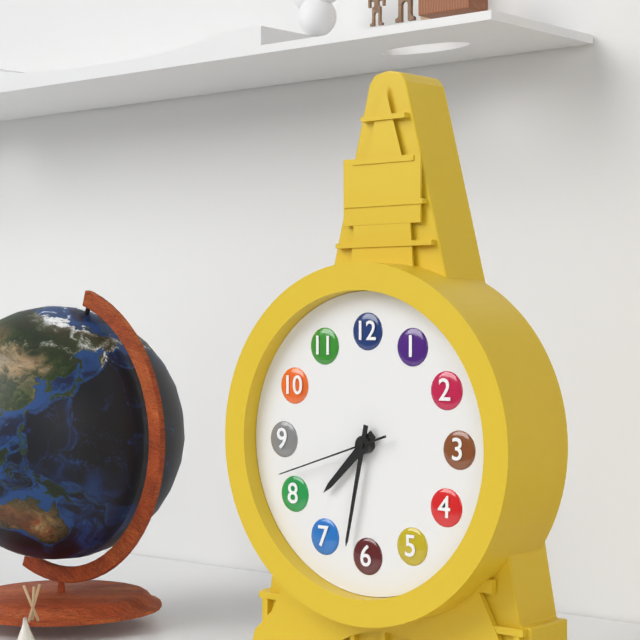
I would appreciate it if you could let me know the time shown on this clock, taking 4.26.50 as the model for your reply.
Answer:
7.32.42
